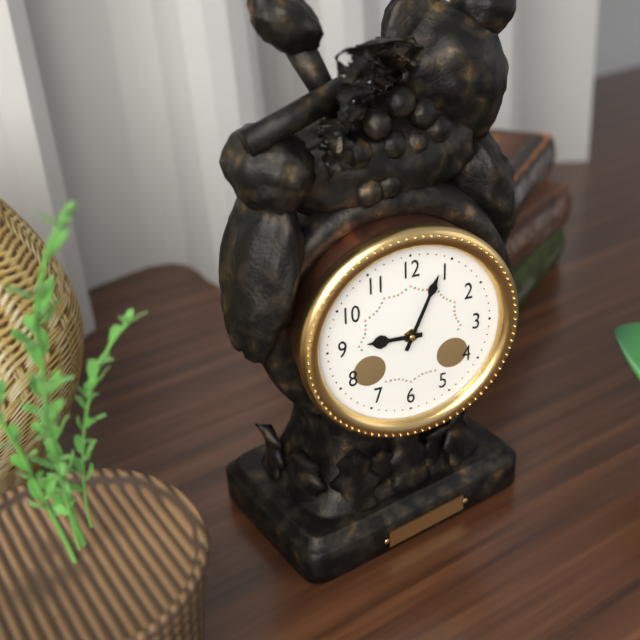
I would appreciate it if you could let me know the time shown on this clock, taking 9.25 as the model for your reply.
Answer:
9.04
